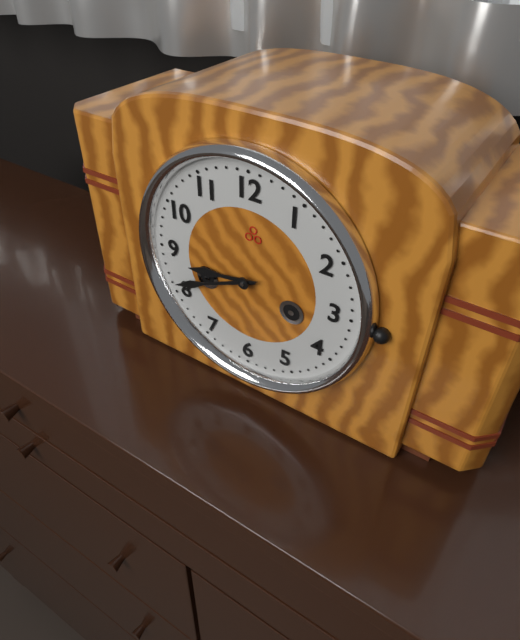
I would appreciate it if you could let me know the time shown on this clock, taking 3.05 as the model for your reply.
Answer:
8.41
